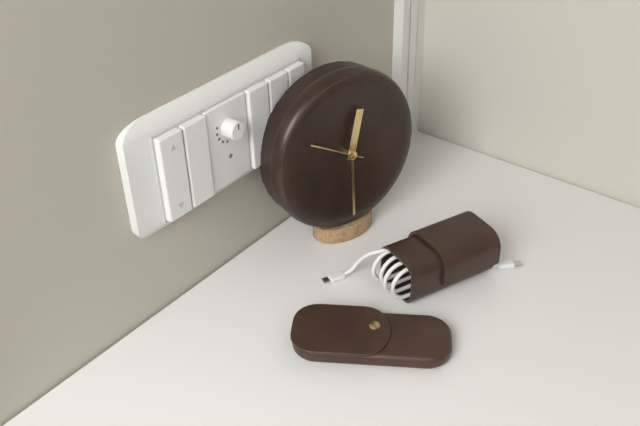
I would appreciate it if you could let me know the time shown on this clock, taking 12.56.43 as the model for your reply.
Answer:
12.30.50
